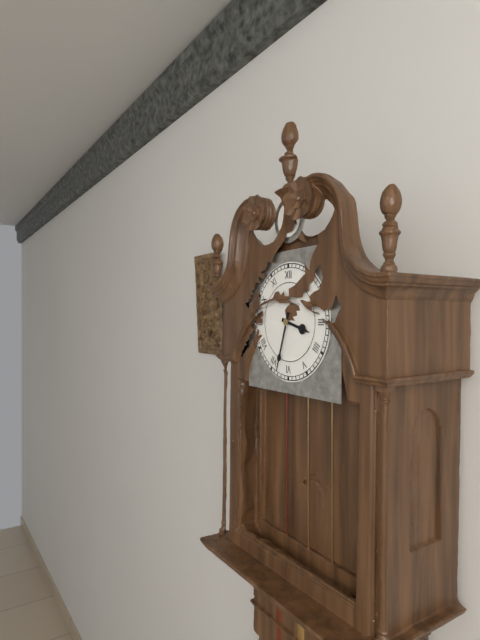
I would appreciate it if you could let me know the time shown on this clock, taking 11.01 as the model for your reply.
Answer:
3.33
